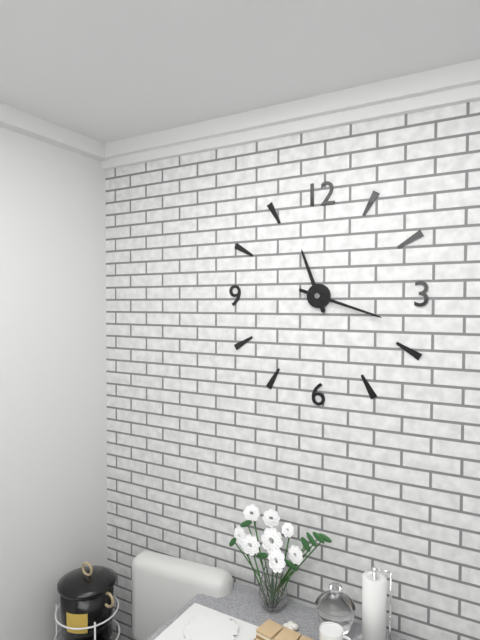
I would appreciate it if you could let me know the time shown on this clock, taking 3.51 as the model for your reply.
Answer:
11.18
